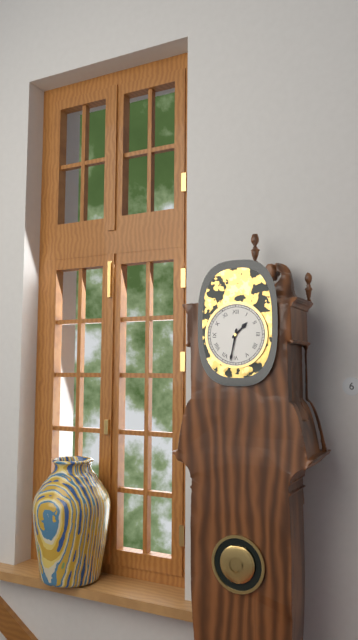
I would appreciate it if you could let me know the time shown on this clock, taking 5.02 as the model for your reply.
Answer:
1.32
